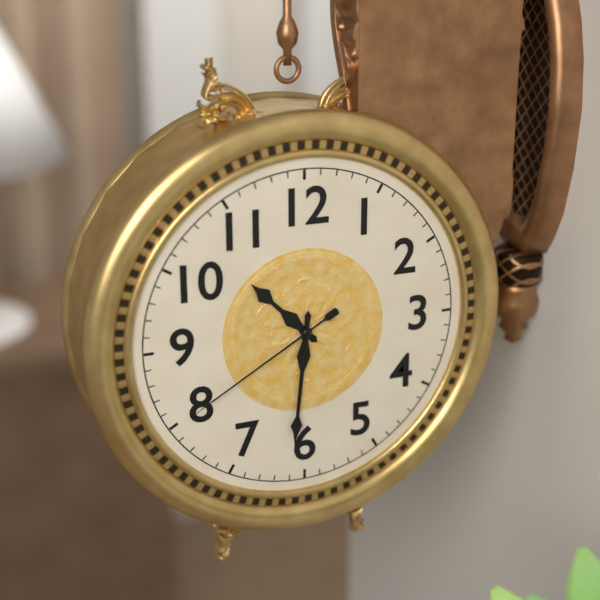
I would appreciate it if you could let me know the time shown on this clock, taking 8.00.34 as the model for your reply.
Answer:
10.31.40
